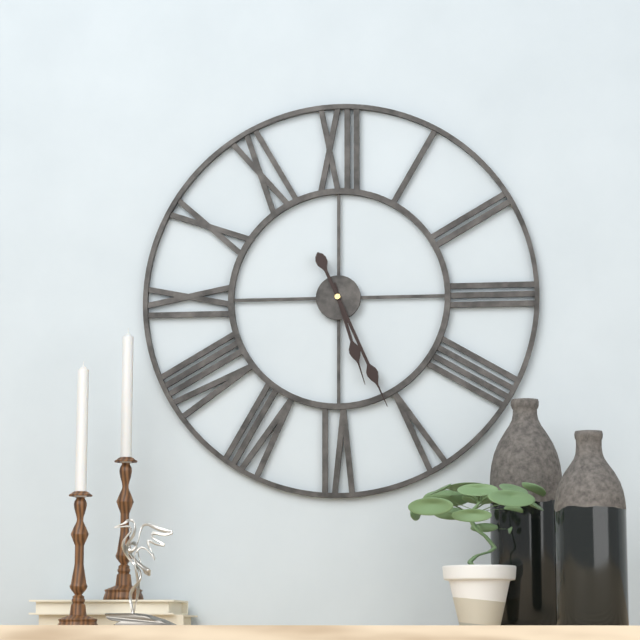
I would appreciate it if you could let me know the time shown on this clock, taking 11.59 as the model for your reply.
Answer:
5.26
